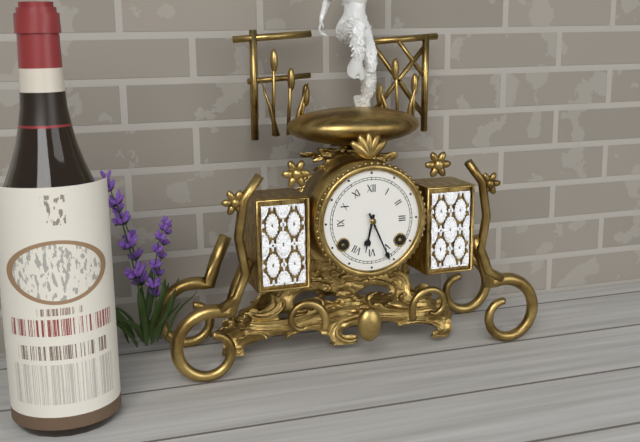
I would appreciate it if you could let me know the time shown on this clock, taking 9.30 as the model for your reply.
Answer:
6.26
